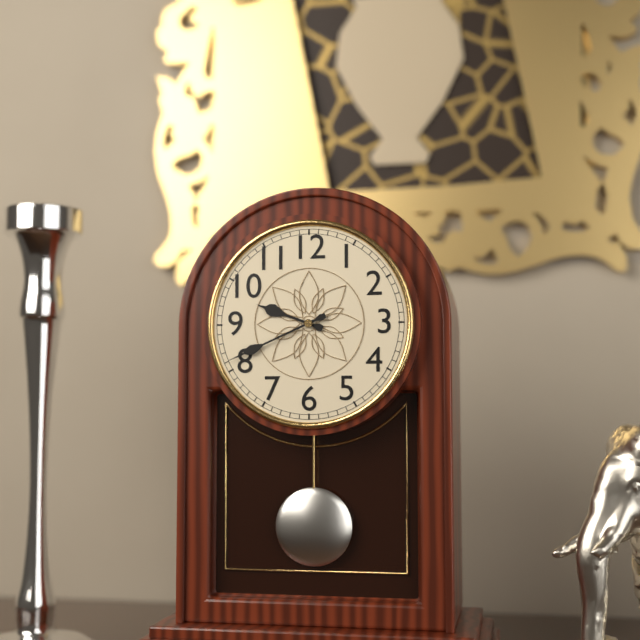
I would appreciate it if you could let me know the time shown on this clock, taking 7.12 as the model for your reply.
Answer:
9.41
